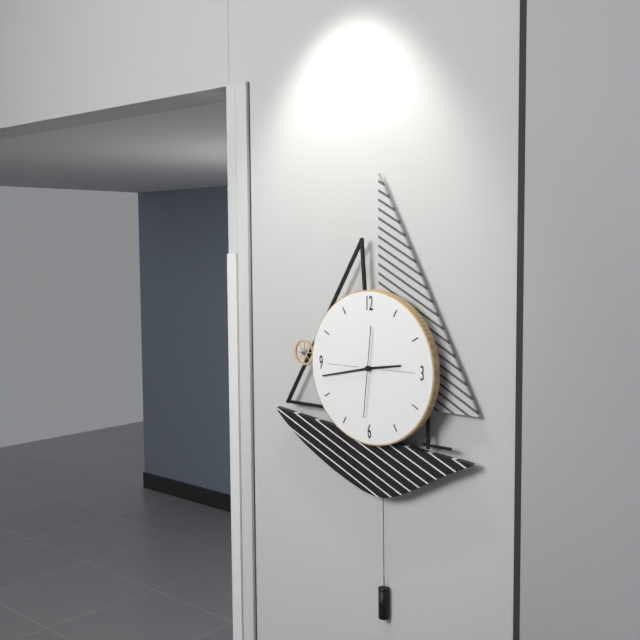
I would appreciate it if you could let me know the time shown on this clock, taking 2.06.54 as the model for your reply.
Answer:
2.43.31
